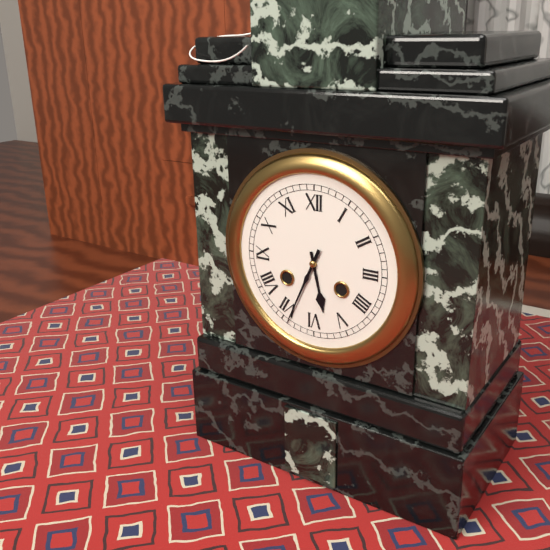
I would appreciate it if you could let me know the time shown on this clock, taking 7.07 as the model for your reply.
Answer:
5.34
